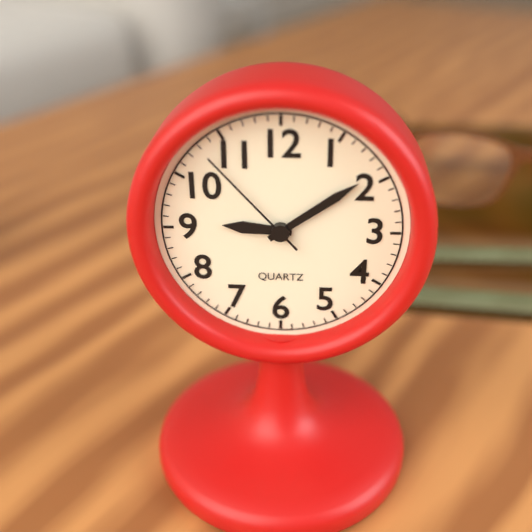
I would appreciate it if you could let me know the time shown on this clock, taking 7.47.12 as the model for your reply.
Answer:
9.09.53
